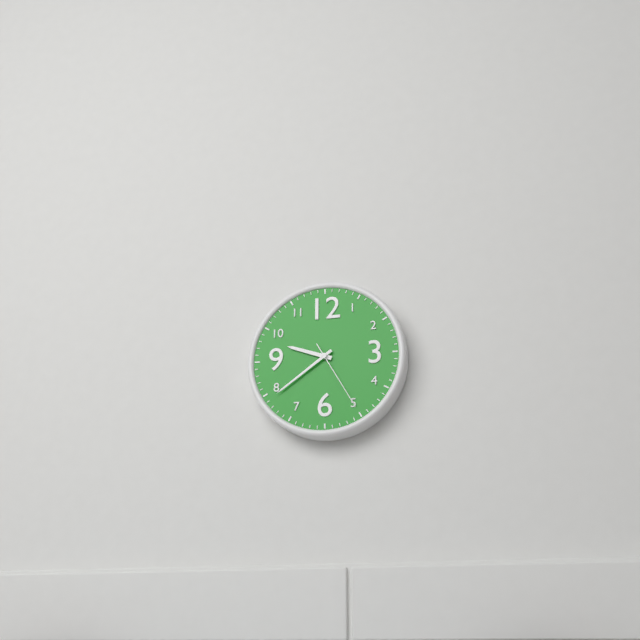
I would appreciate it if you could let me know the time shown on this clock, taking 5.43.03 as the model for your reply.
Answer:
9.39.25
